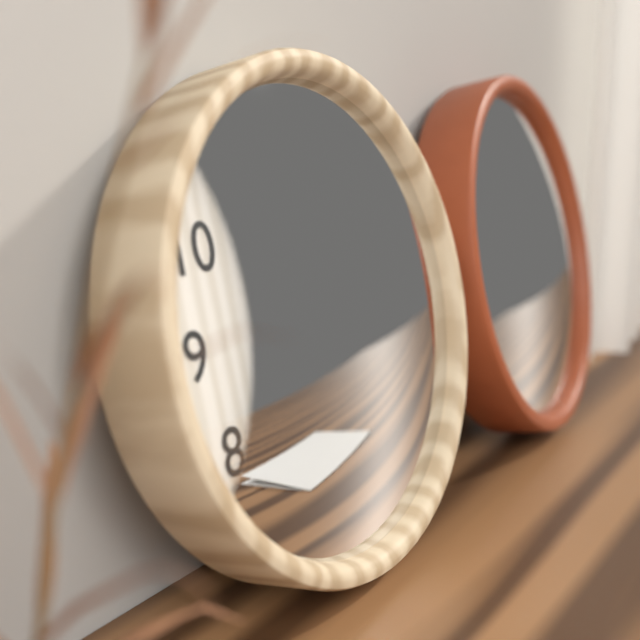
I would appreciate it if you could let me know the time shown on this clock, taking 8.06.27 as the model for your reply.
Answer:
3.09.00
